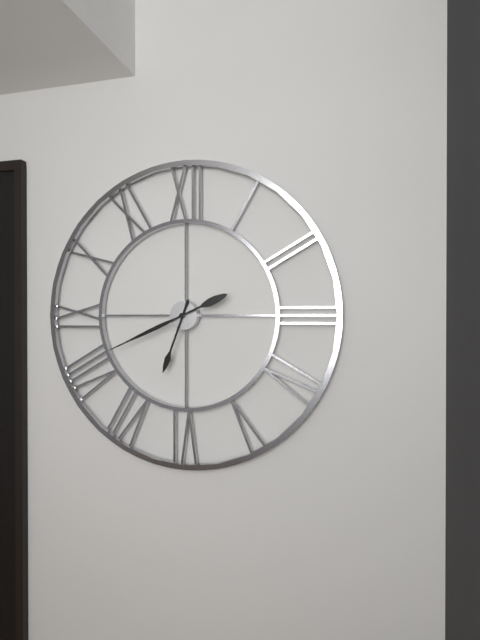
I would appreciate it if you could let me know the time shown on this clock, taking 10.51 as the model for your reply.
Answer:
6.41
